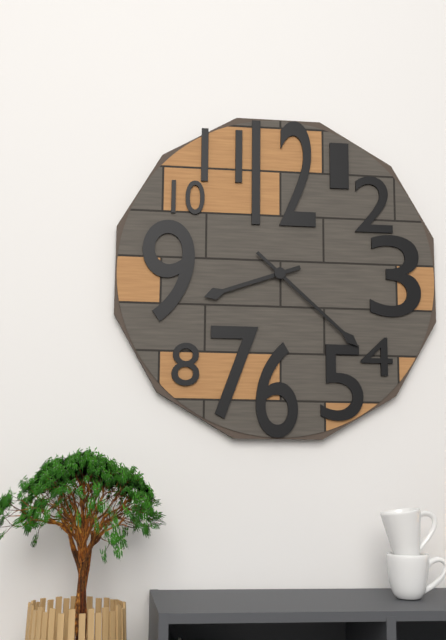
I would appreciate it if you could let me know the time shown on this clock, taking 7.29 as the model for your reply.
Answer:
8.22
